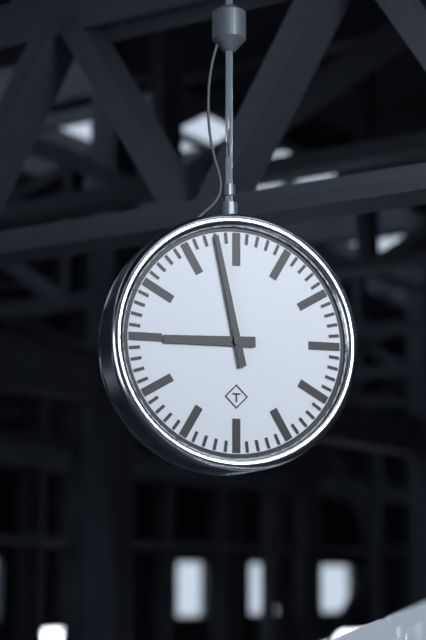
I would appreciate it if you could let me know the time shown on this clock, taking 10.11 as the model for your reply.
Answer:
8.58
